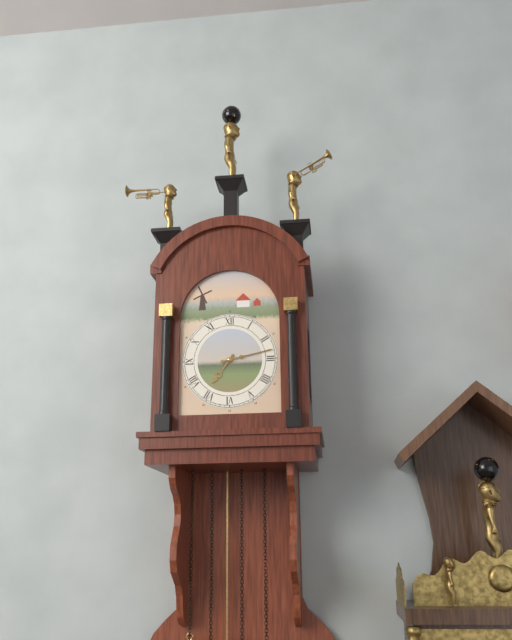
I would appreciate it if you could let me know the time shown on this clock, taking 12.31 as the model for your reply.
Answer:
7.13
